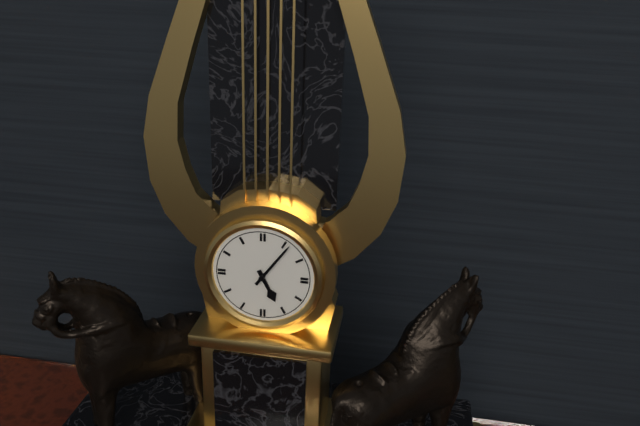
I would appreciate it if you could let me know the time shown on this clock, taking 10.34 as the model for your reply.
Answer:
5.06
